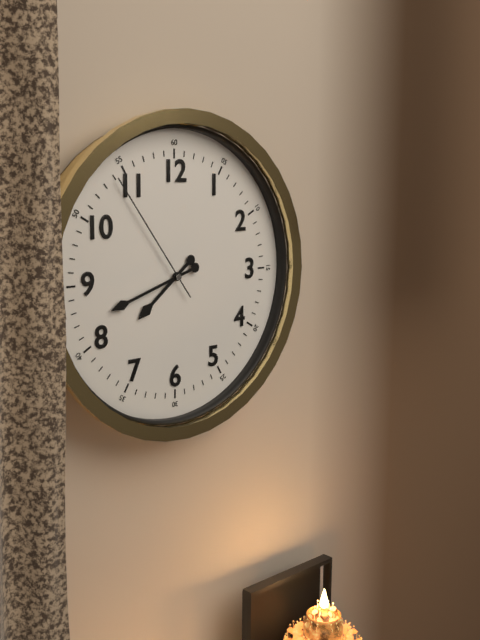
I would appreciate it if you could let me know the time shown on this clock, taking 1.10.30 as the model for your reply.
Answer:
7.42.54
